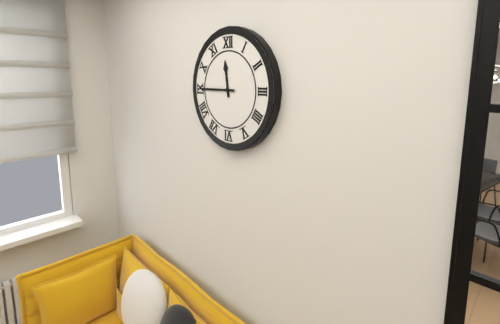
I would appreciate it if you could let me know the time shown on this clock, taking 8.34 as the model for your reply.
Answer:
11.45
